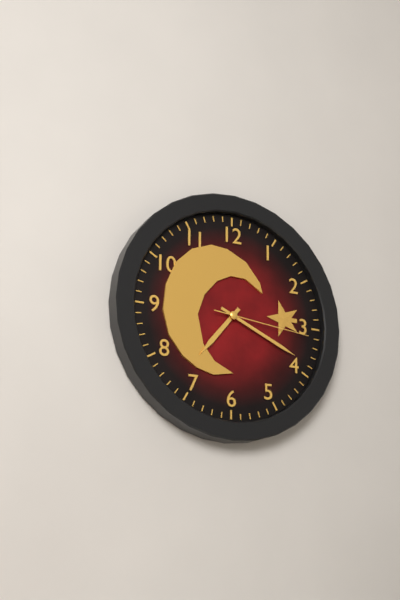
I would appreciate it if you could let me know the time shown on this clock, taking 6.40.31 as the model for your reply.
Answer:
7.19.16
